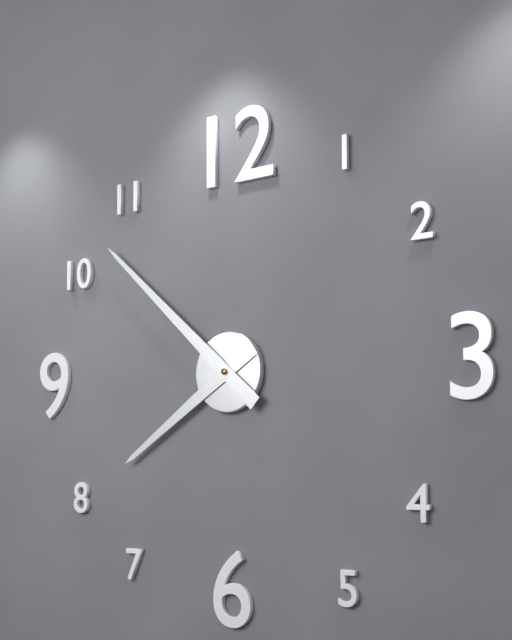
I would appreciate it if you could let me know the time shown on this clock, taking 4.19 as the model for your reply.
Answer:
7.52
